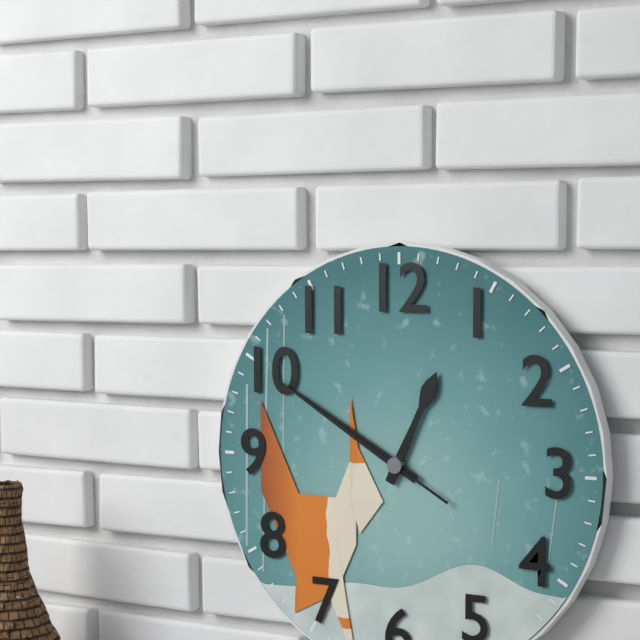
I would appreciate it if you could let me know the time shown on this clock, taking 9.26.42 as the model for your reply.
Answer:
12.50.50
